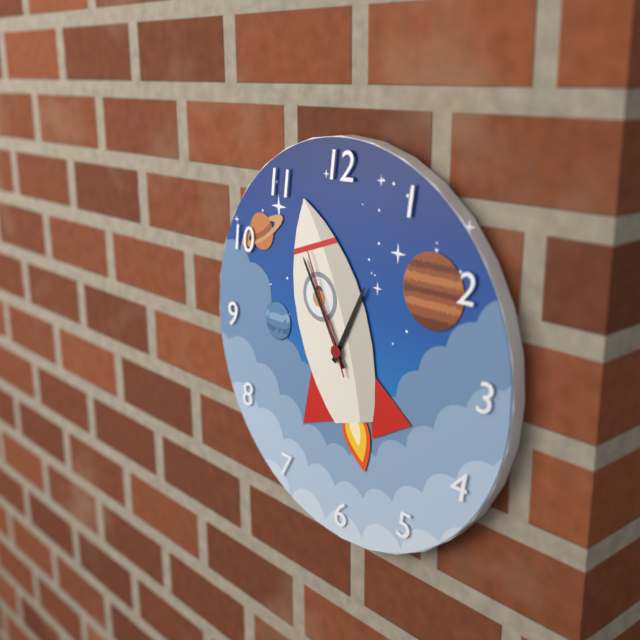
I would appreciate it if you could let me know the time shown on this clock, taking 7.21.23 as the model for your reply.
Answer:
12.55.56
